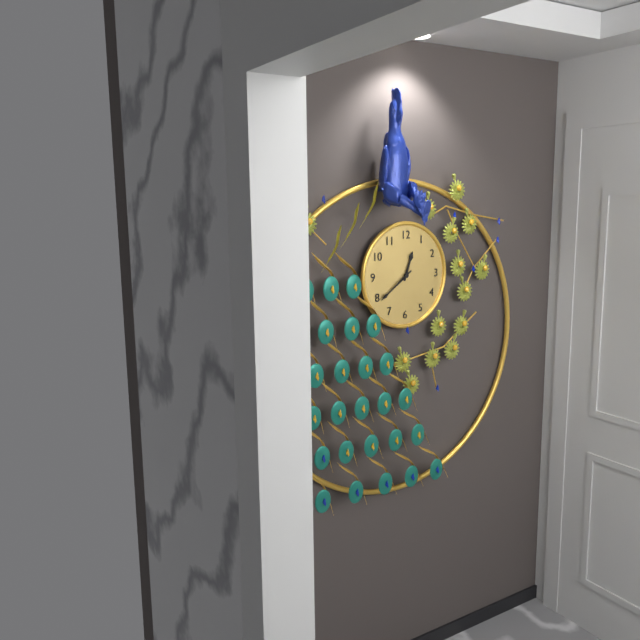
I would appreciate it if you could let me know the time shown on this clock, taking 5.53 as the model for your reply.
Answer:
12.39
